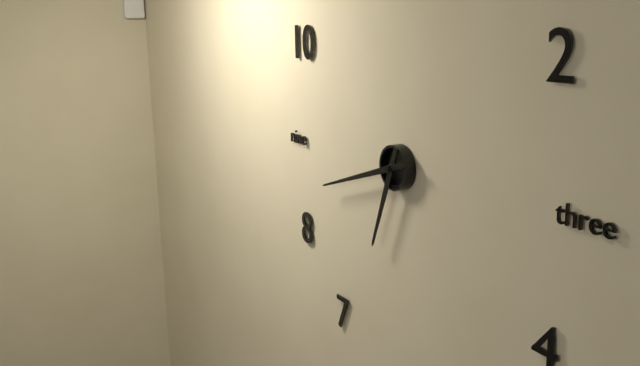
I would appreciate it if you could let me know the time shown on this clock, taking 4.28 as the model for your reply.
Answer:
6.42
